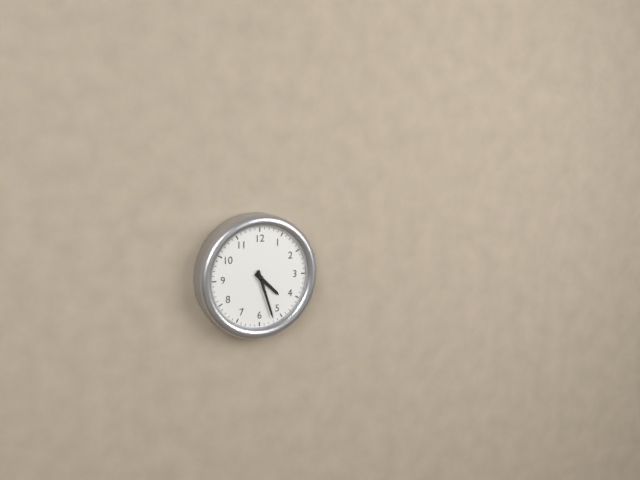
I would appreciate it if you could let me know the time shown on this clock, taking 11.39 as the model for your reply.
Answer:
4.27
